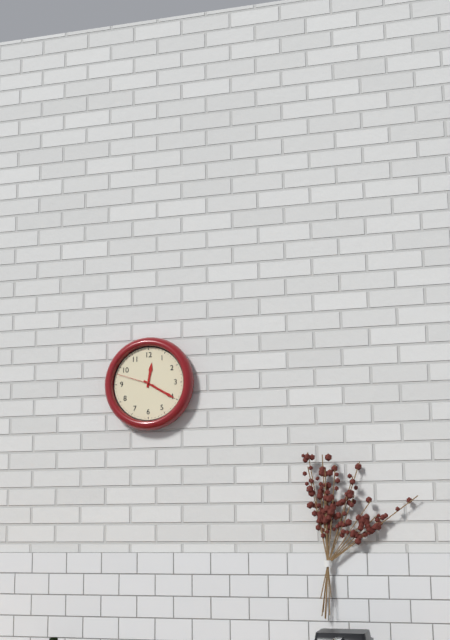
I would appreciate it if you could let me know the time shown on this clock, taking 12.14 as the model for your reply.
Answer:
12.20
